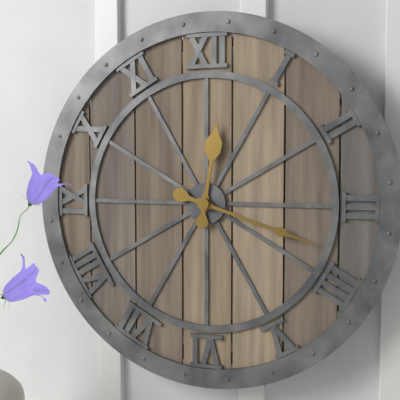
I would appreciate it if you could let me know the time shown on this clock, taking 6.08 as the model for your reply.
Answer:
12.18
